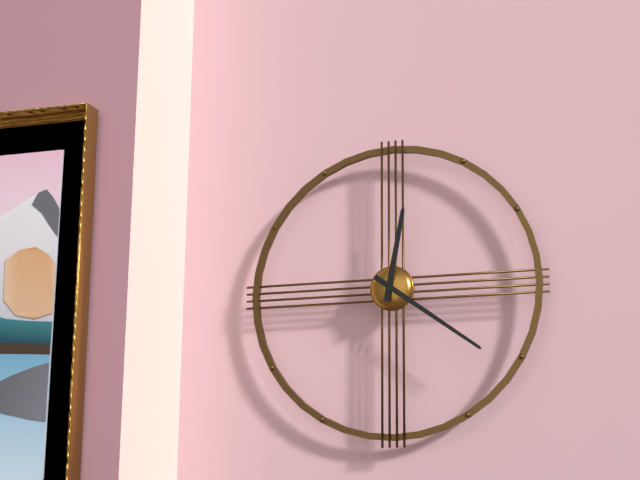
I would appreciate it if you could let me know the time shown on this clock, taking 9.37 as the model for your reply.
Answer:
12.21
